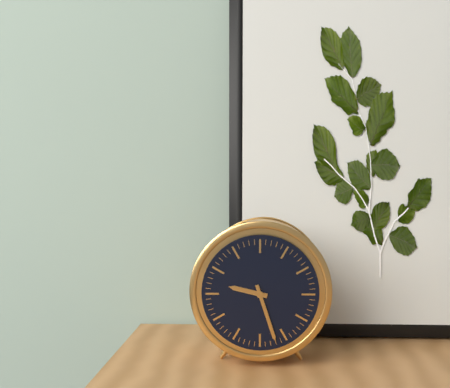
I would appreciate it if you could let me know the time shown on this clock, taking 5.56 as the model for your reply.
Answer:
9.27
